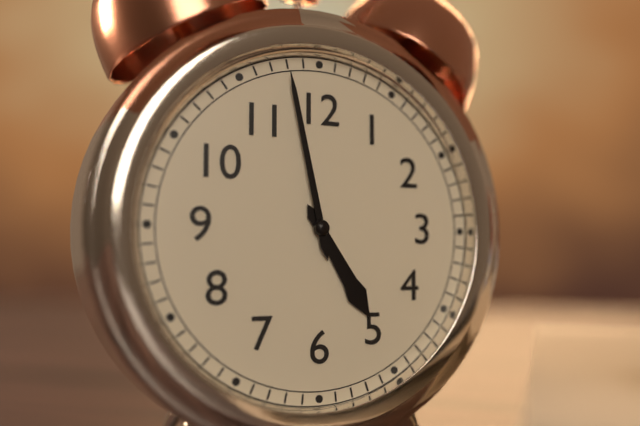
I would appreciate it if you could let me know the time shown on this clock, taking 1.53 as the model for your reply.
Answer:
4.58
